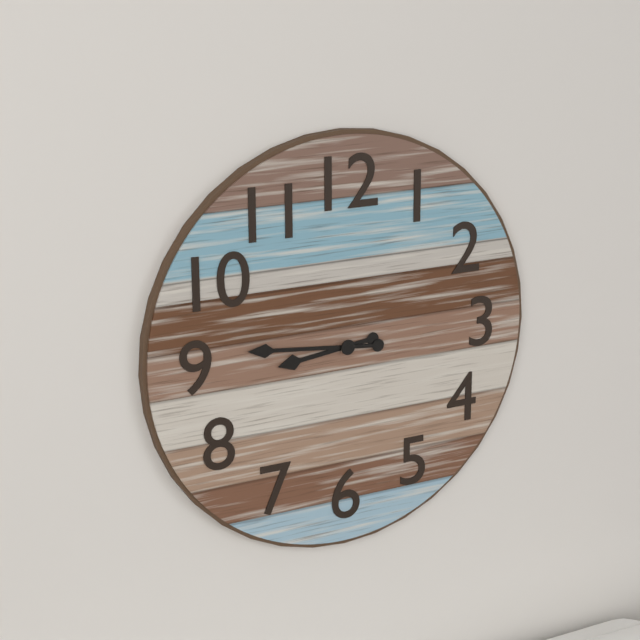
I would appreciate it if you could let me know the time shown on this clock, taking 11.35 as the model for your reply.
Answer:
8.46
